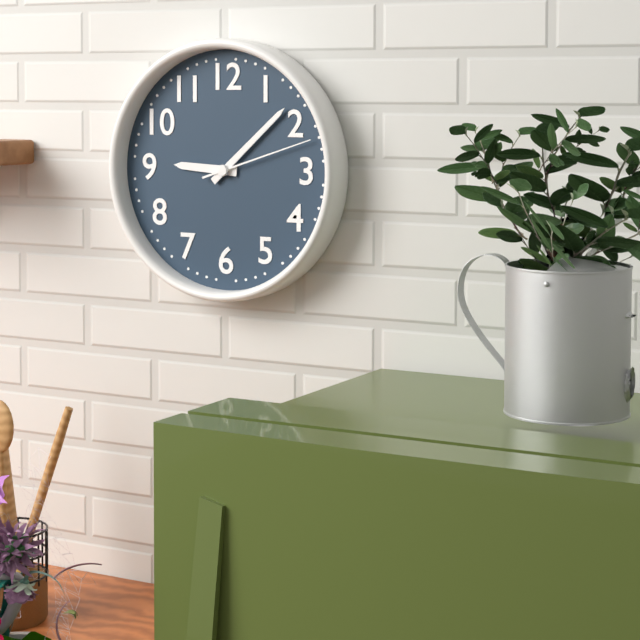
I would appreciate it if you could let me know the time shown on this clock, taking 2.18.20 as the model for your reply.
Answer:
9.08.12
